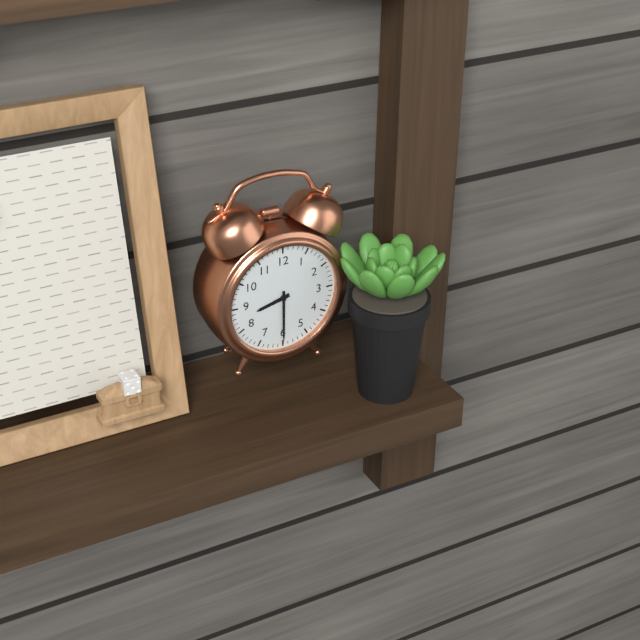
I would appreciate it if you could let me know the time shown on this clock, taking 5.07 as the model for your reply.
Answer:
8.30
